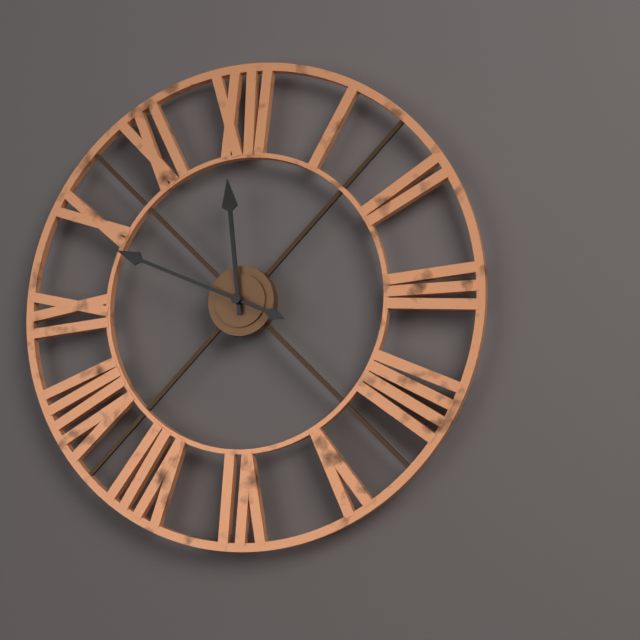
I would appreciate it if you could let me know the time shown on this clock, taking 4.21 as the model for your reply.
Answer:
11.49
